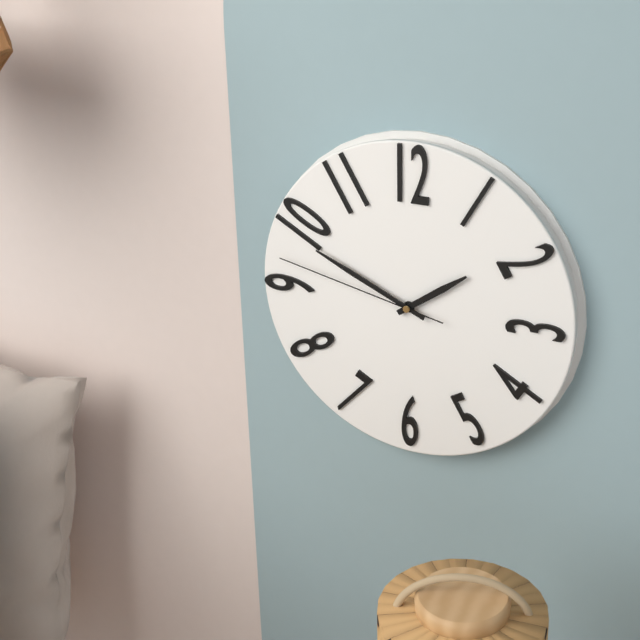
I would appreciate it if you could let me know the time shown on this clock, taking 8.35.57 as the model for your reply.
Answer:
1.49.47
